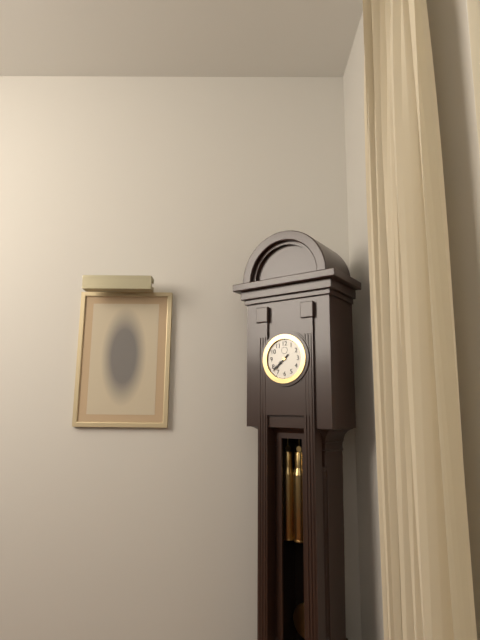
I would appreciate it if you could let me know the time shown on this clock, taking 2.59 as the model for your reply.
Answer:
7.38
